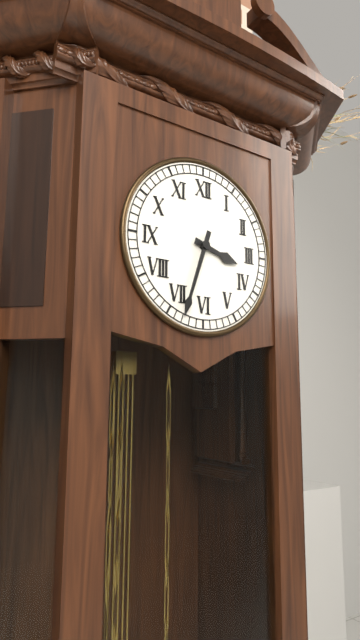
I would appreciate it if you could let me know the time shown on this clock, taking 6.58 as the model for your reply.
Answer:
3.33
